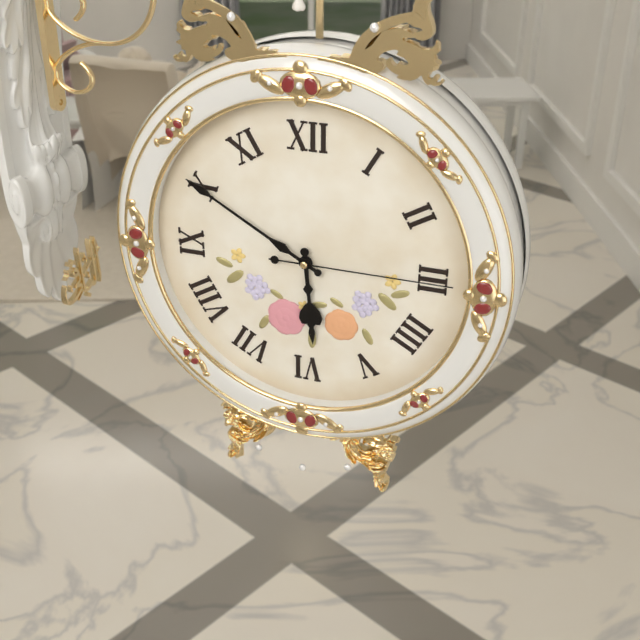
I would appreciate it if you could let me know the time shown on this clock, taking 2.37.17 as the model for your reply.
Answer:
5.50.15
